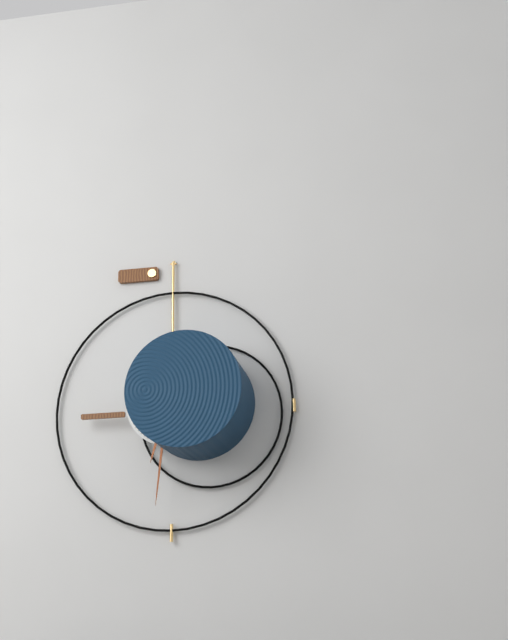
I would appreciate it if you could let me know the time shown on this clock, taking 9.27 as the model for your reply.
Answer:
6.31
